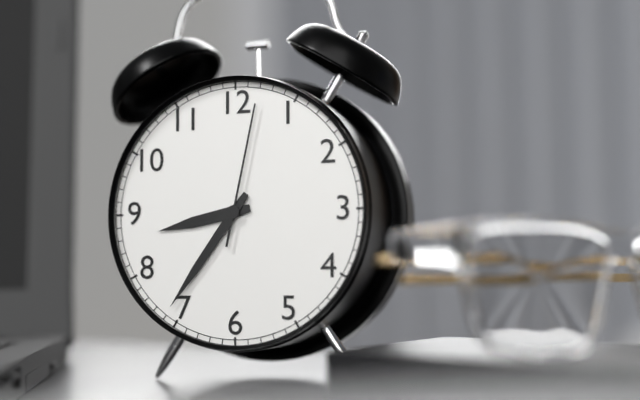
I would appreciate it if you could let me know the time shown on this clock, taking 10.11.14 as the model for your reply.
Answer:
8.36.02
